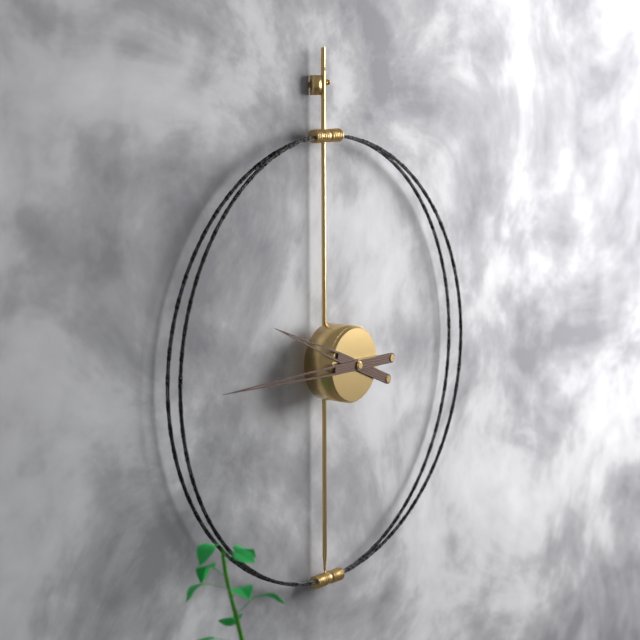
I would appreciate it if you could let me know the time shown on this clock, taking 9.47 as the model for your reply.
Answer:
9.45
